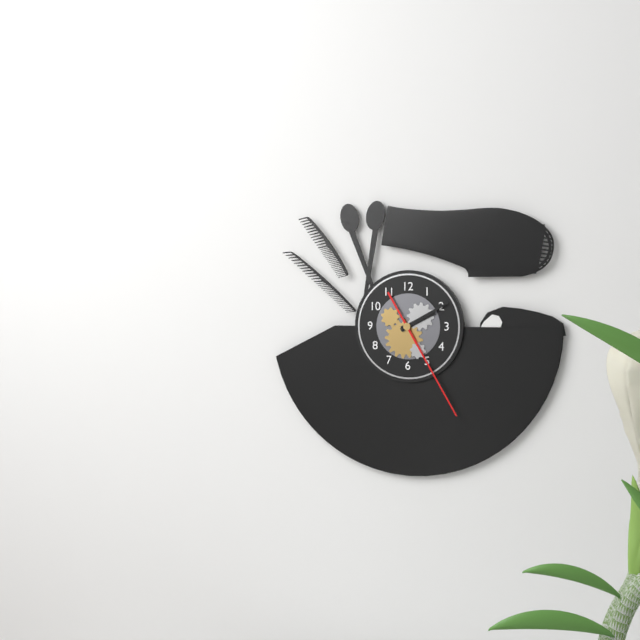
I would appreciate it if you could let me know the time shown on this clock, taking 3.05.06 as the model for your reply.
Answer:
2.10.25
